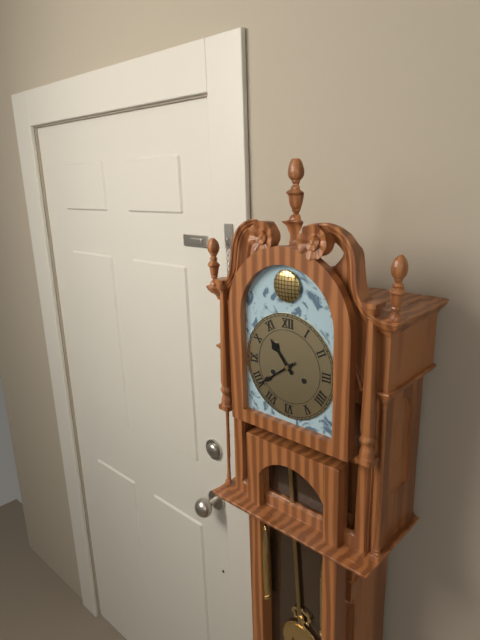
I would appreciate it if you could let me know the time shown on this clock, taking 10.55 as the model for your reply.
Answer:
10.39
